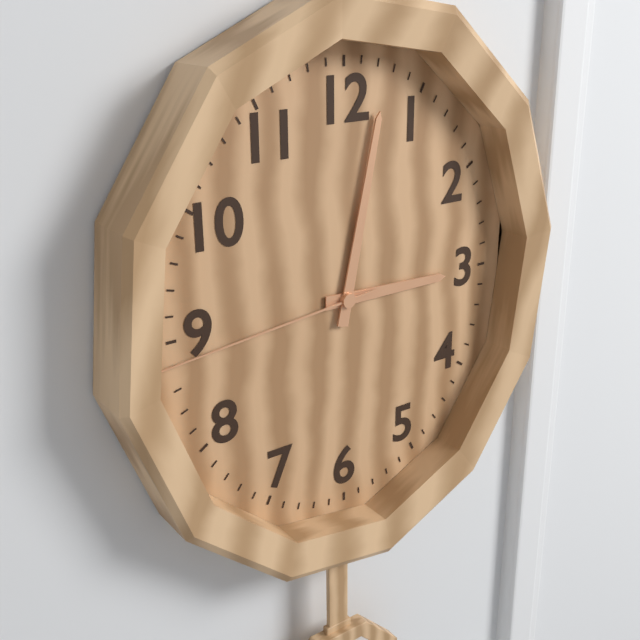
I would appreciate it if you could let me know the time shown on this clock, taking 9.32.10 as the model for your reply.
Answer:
3.02.44
